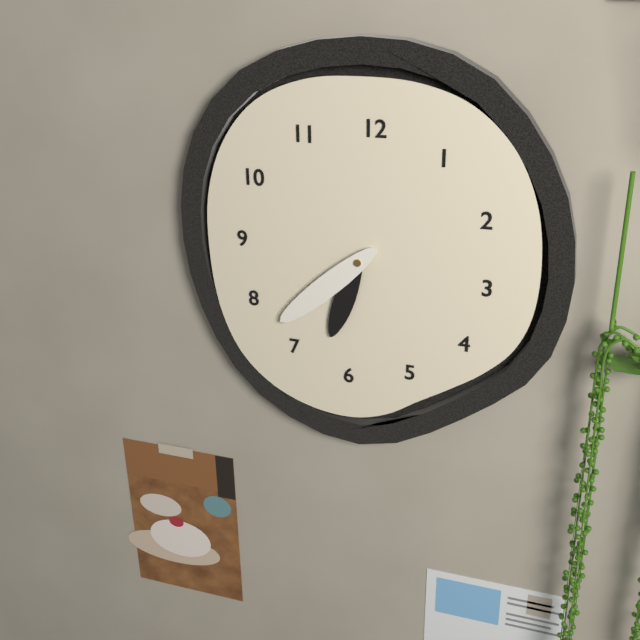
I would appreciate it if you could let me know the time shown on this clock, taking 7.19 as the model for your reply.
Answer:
6.38
